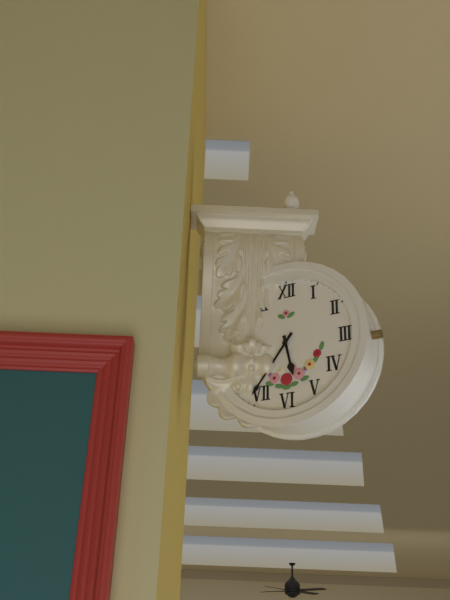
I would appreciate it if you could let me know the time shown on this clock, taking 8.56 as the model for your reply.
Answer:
5.36
